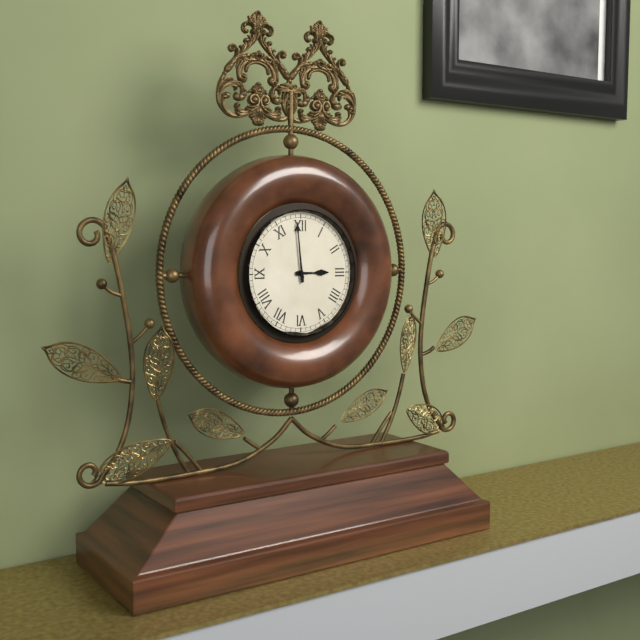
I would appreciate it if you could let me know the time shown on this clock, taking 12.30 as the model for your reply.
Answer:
2.59
